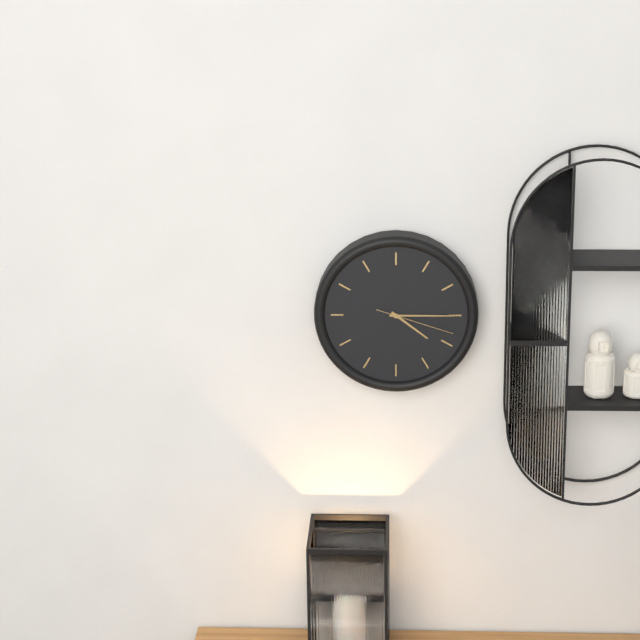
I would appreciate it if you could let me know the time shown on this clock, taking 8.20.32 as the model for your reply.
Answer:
4.15.18
